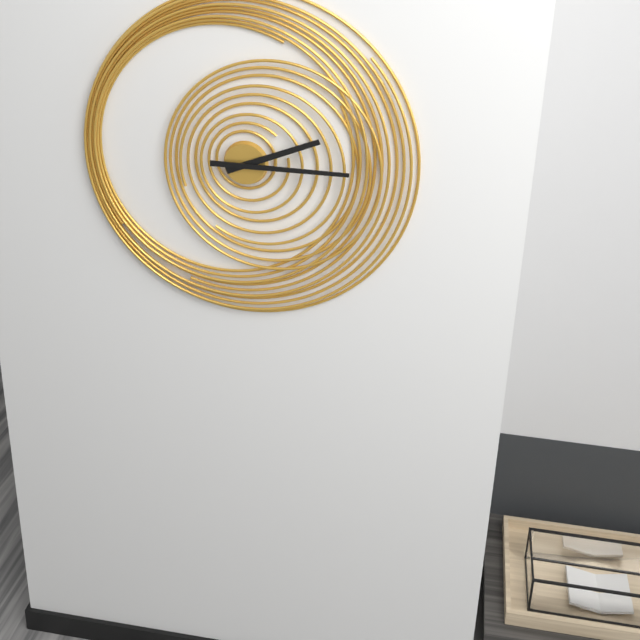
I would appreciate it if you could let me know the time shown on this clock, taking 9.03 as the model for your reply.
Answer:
2.15
